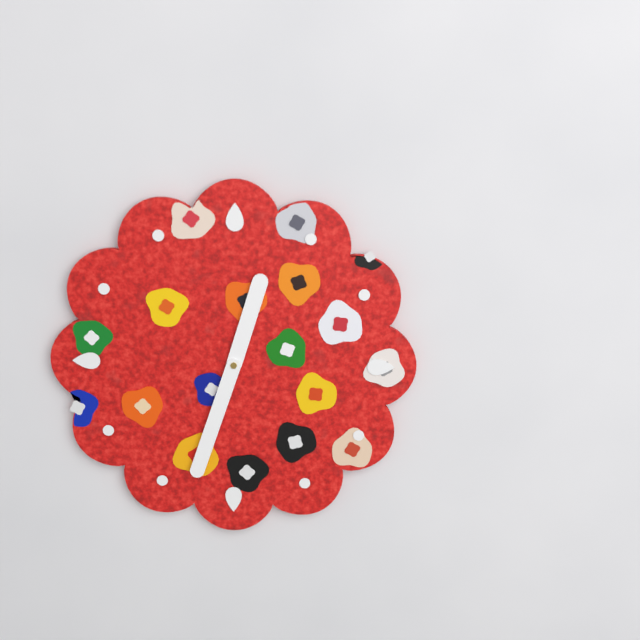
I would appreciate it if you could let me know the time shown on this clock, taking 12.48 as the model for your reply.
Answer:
12.33
